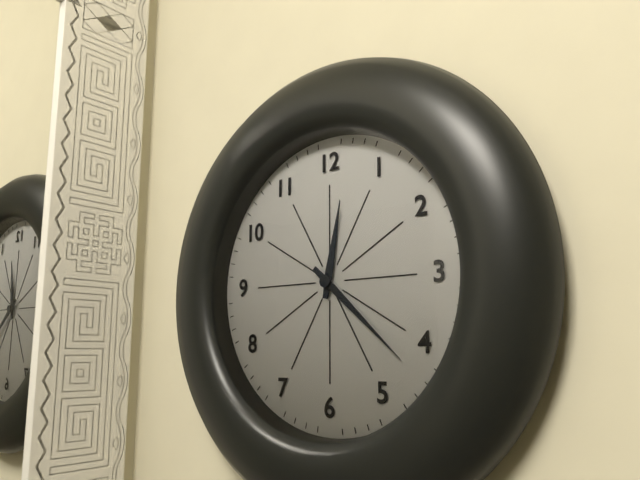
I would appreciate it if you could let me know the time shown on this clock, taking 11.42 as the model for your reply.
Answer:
12.22
